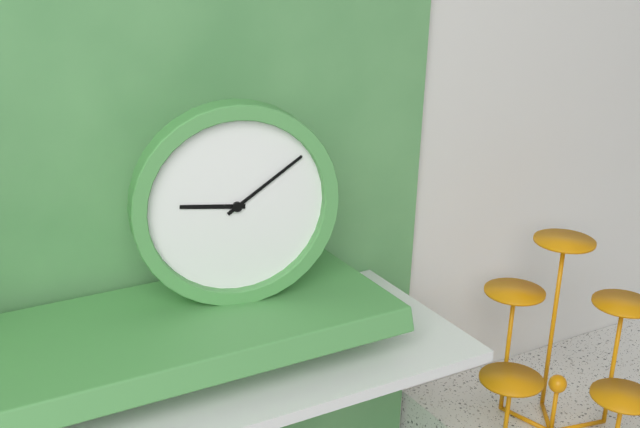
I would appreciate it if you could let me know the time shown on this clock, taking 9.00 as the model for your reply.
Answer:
9.09
